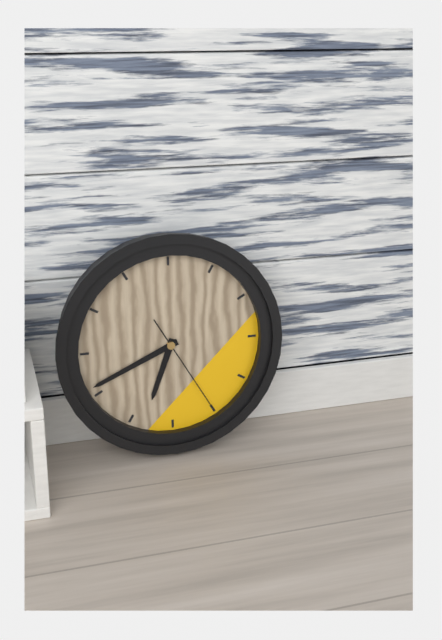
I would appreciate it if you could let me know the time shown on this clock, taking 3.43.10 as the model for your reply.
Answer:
6.41.25
